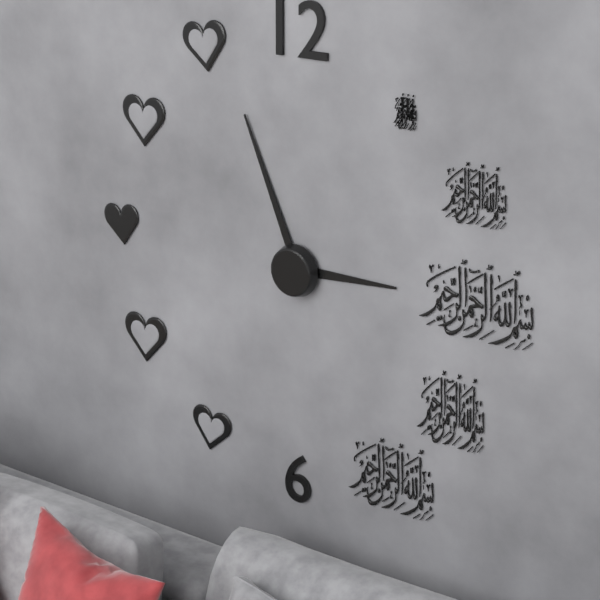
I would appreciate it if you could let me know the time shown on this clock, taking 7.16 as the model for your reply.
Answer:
2.56
